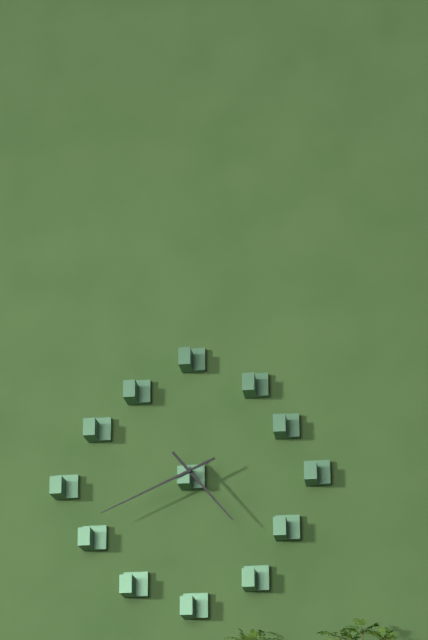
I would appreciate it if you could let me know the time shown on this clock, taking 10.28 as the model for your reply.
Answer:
4.41
